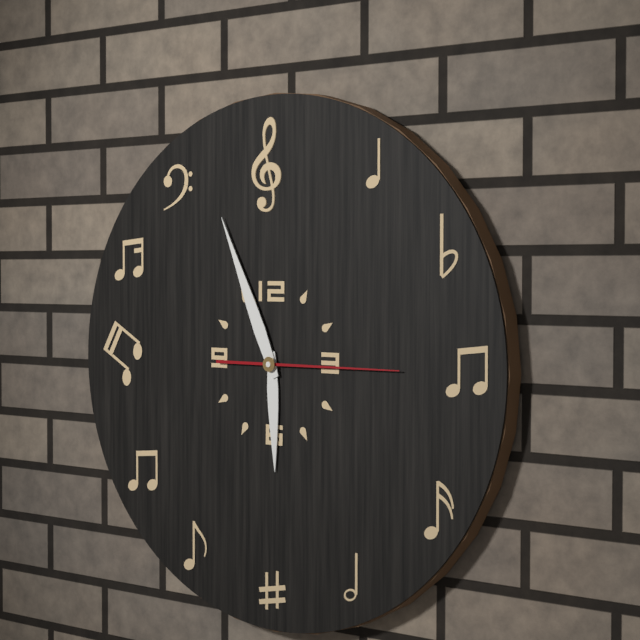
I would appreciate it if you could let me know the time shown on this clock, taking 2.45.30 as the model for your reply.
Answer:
5.56.15
